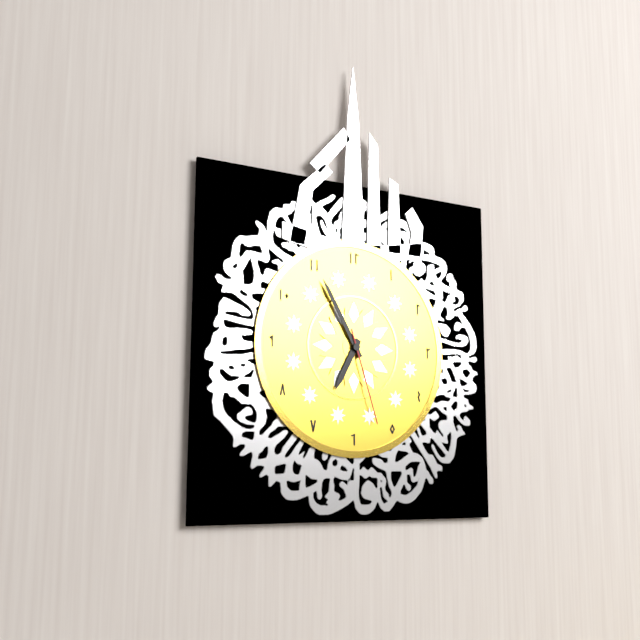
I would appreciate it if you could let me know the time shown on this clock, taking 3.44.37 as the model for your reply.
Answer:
6.55.27
